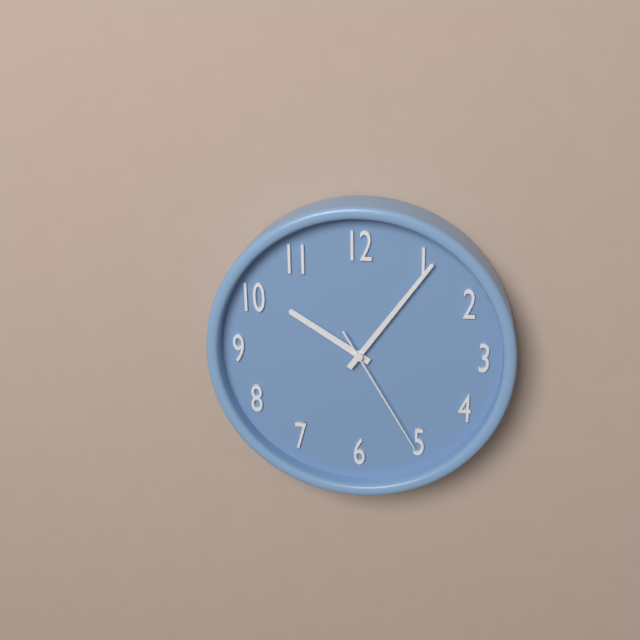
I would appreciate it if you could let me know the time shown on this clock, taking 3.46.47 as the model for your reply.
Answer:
10.06.25
